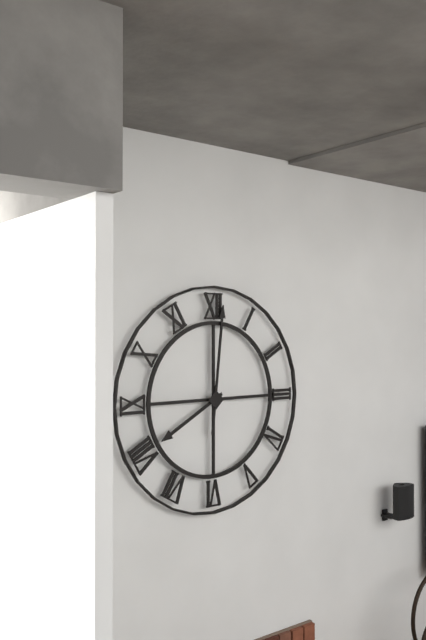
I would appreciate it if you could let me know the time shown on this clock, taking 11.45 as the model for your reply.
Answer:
8.01
